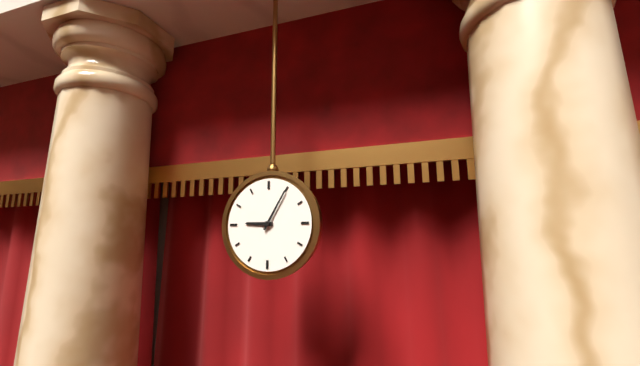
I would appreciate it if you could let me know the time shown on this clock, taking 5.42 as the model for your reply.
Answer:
9.05
